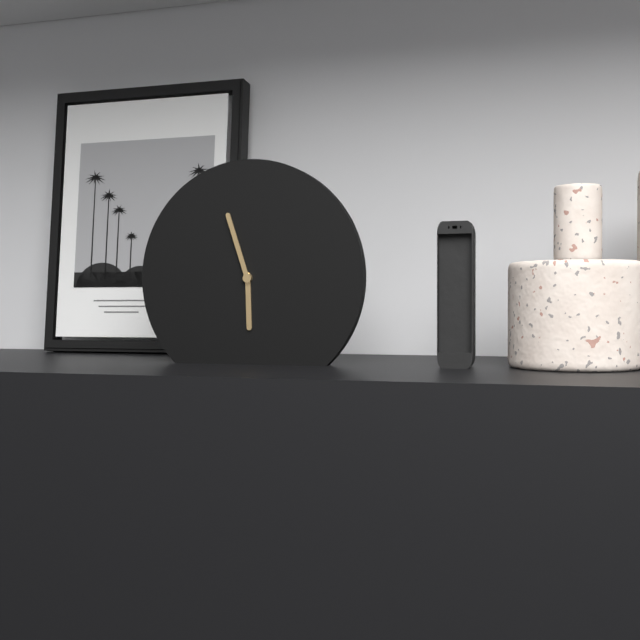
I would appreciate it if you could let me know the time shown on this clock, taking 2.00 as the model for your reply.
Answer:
5.57
